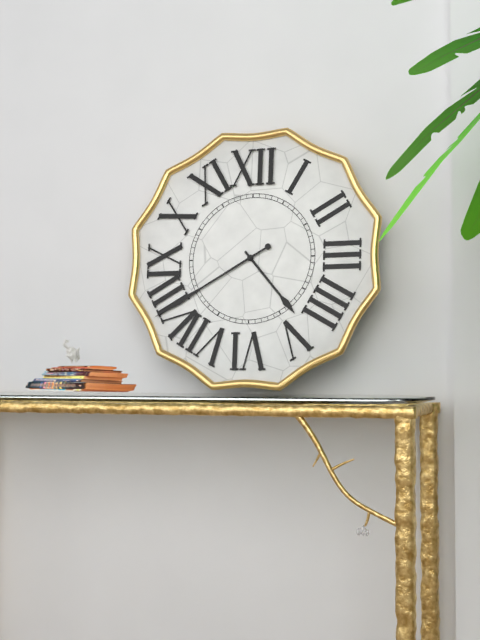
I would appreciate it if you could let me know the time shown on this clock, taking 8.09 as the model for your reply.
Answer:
4.40
